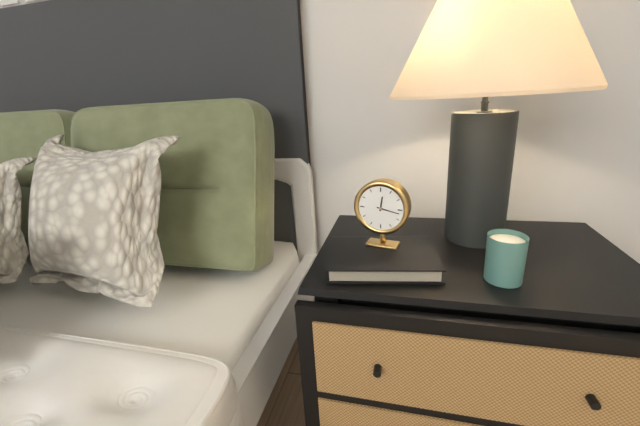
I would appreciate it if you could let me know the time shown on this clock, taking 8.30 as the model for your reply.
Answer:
12.17
